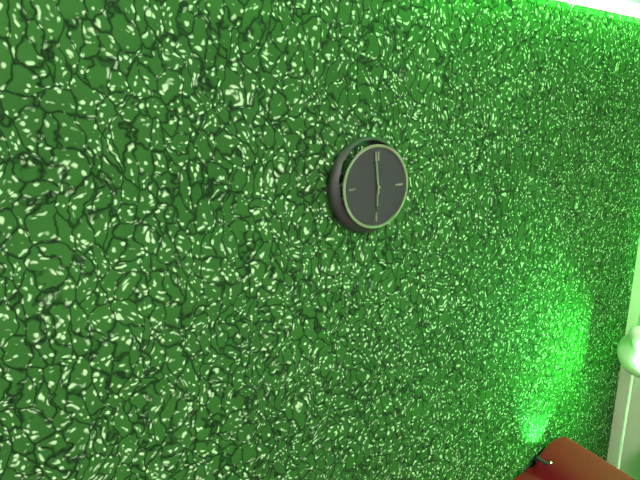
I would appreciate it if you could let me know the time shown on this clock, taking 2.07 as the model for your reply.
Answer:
5.59
